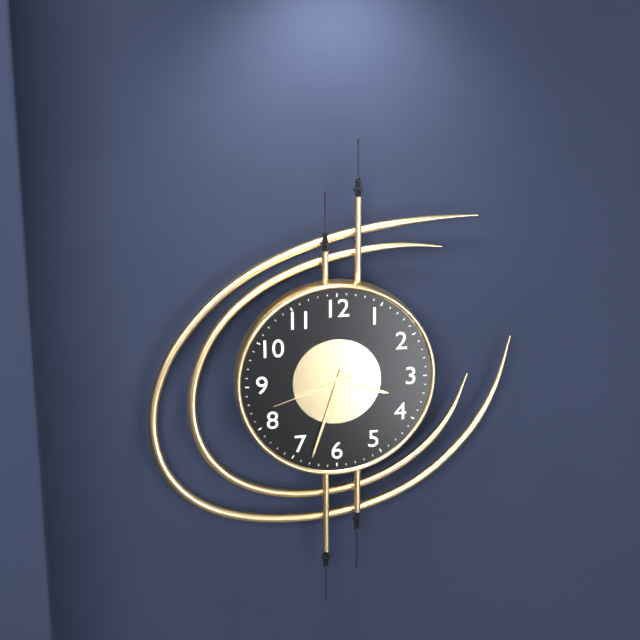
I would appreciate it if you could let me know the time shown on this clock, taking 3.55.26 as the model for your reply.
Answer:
3.33.42
